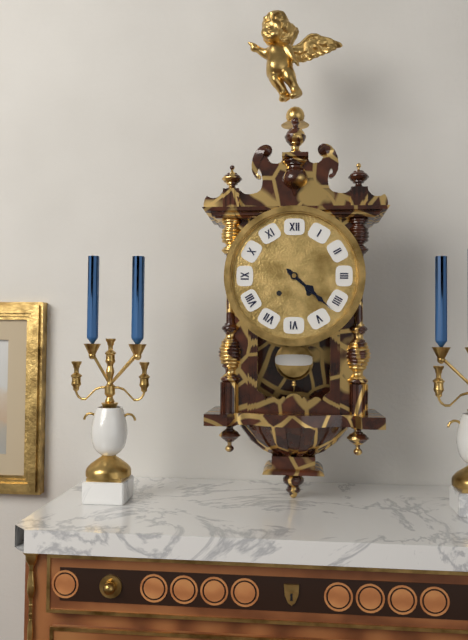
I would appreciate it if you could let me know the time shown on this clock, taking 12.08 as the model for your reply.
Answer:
4.22
